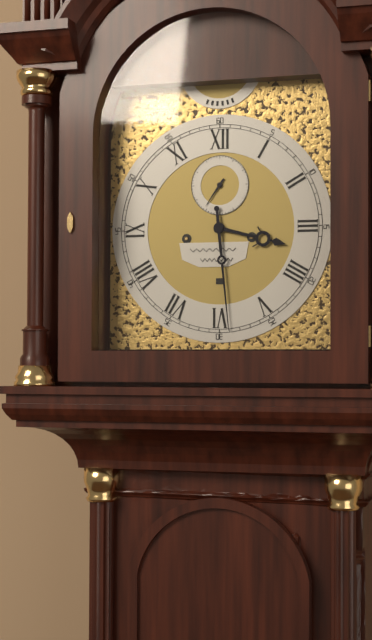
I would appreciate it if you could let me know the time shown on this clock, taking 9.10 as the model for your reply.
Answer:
3.29
